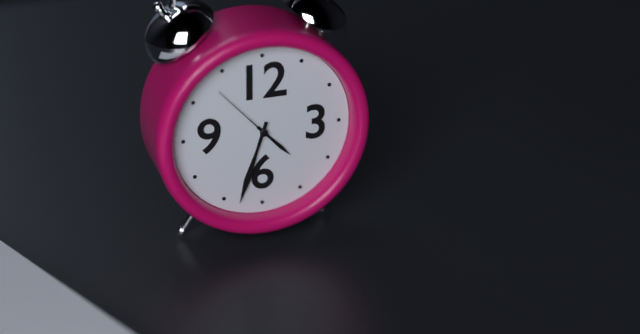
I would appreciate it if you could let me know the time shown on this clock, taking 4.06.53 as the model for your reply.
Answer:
4.33.53
